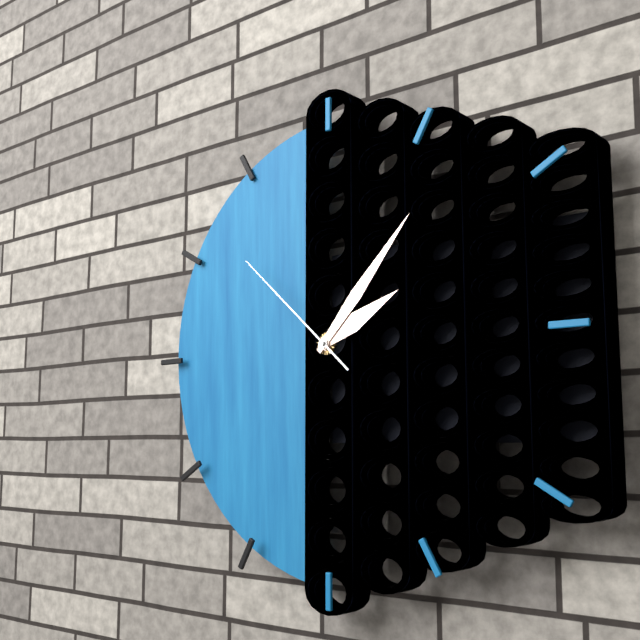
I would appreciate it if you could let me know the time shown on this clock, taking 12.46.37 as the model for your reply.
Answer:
2.07.52
